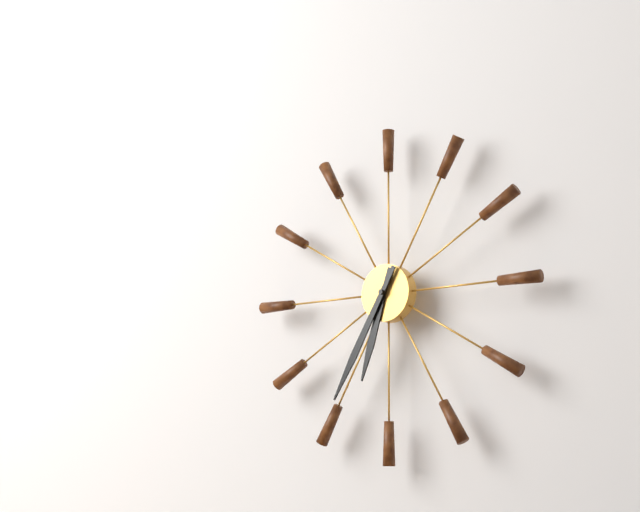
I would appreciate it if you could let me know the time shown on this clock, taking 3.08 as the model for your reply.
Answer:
6.35
